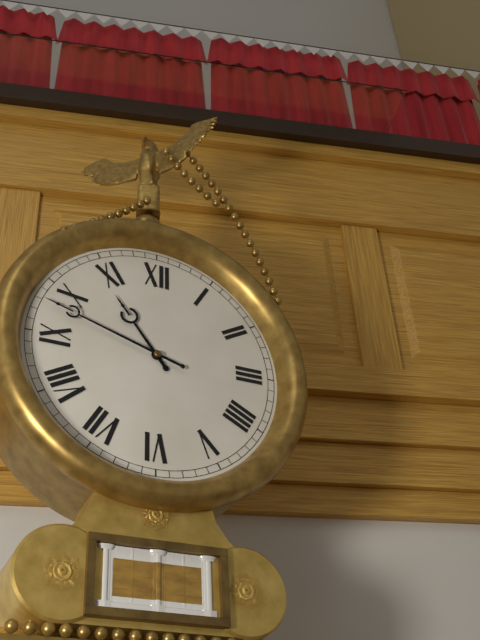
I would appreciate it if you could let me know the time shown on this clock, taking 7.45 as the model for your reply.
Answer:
10.48
